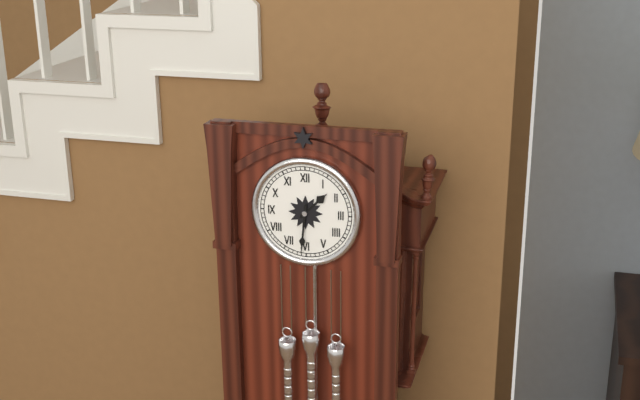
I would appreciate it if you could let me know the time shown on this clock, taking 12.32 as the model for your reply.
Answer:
1.31
